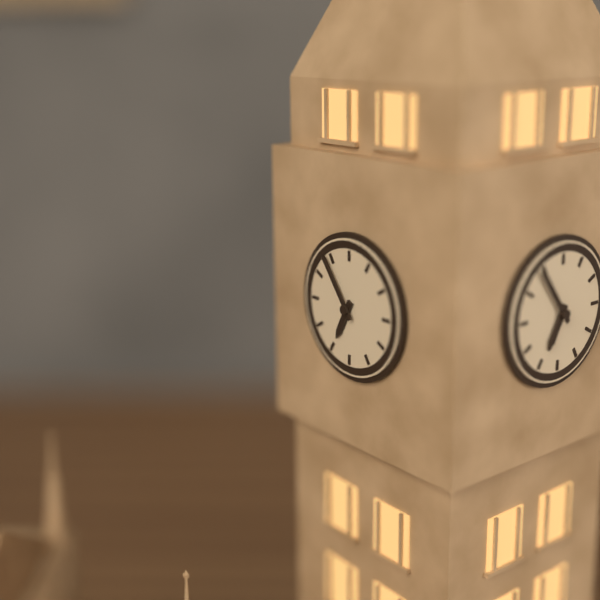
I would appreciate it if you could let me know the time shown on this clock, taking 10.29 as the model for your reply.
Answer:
6.54
